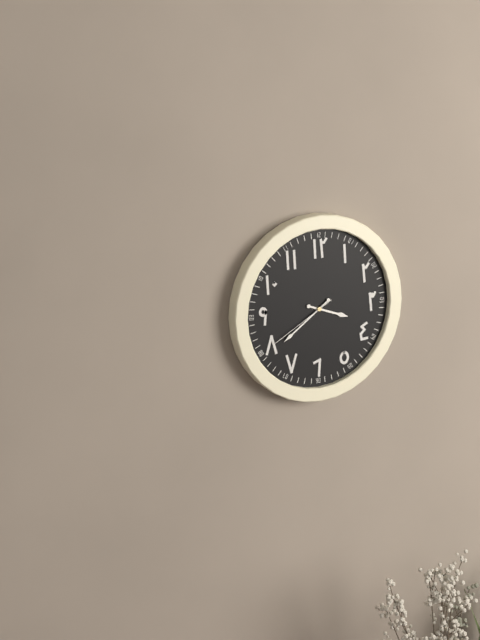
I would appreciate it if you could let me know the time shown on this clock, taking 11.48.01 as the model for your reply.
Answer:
3.39.40
